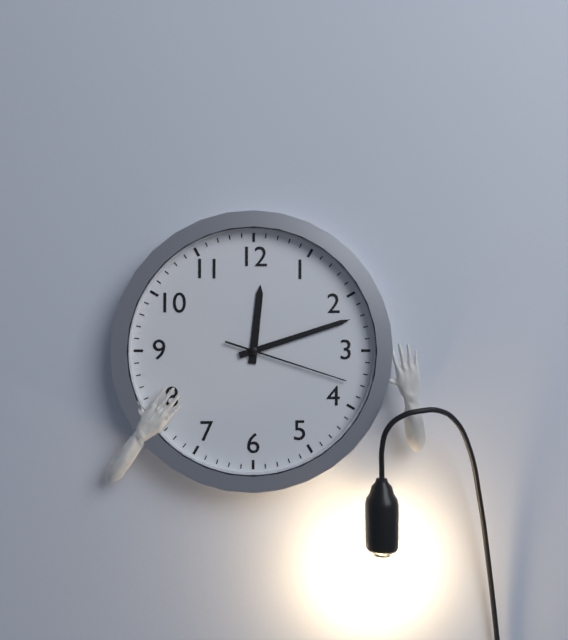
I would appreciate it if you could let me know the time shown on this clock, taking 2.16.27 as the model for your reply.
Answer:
12.12.18
